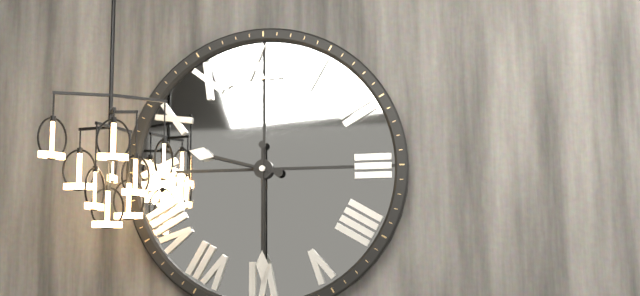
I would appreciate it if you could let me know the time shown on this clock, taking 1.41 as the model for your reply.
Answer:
9.30
